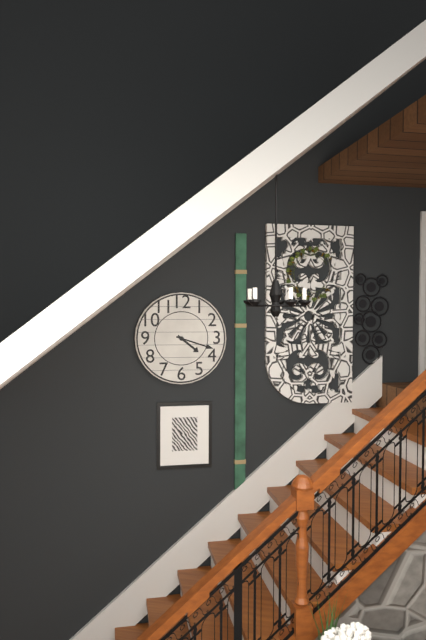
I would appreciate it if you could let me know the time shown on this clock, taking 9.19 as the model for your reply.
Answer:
4.18
